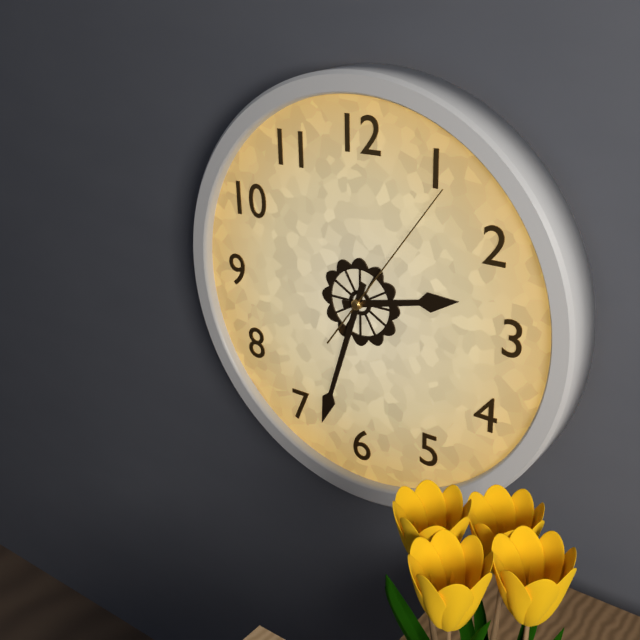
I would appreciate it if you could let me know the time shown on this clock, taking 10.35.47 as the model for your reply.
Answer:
2.33.06
